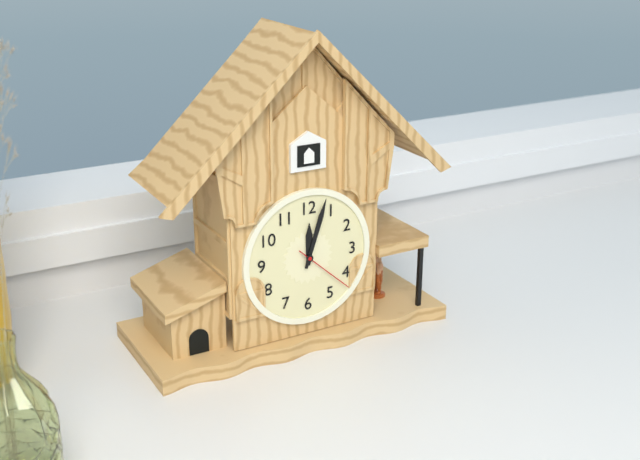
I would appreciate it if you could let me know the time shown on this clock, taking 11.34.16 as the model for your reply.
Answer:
12.03.22
